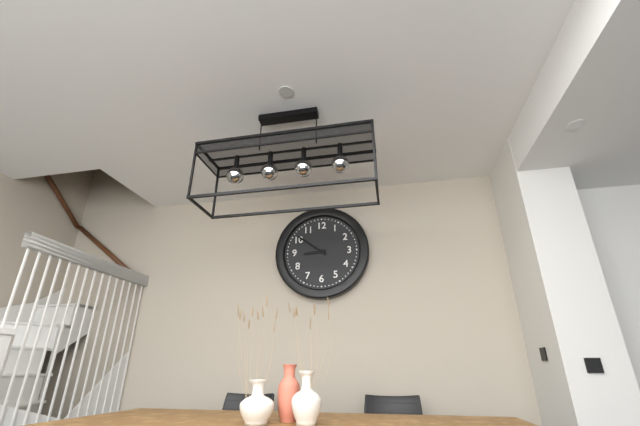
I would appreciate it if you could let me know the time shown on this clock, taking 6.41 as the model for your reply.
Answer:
8.51
